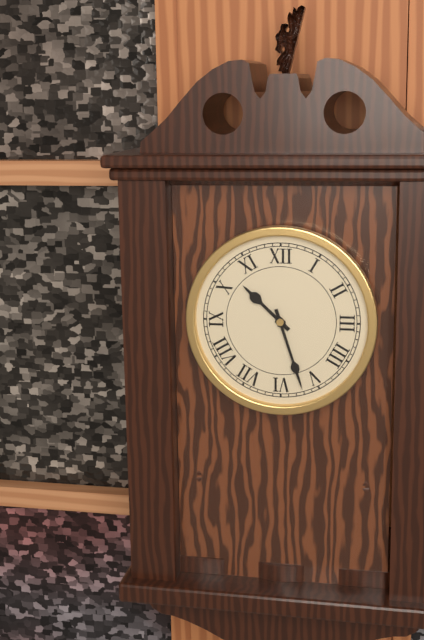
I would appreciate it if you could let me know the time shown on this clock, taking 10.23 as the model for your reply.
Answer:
10.27
